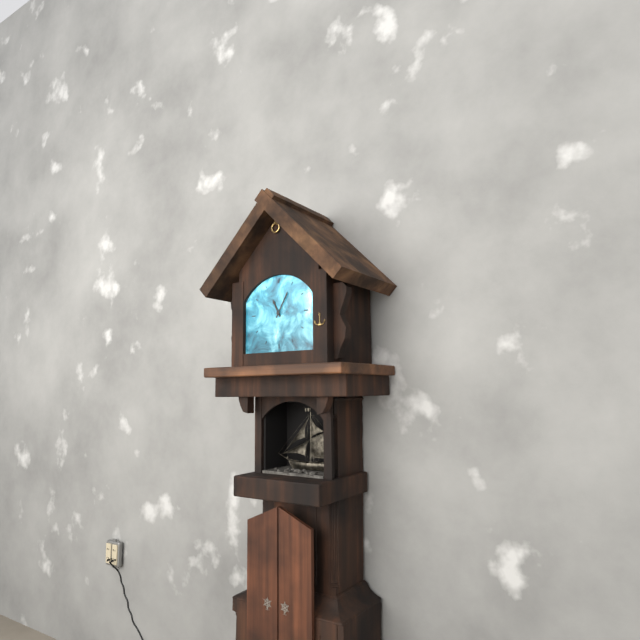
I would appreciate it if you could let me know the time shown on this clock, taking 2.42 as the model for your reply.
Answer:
11.05
